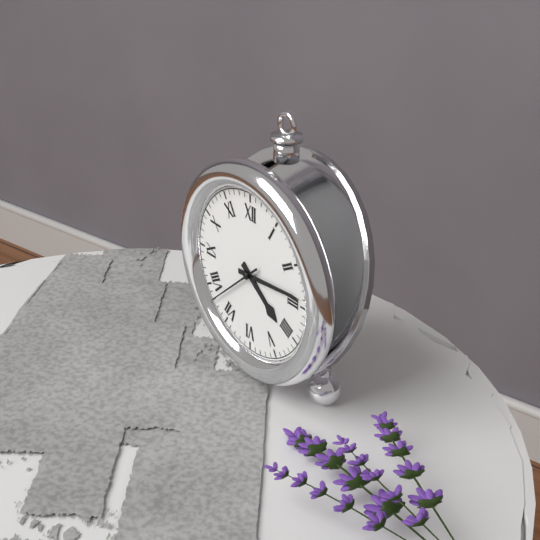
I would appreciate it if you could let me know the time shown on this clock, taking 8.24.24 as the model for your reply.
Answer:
4.14.38
